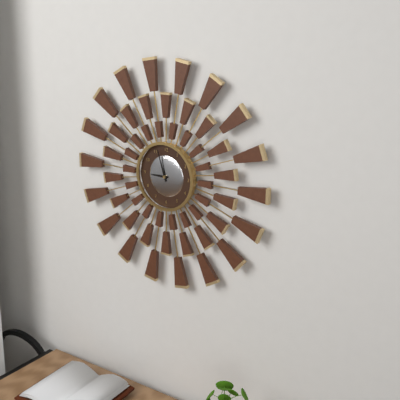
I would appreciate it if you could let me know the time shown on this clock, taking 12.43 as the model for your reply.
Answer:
8.57
